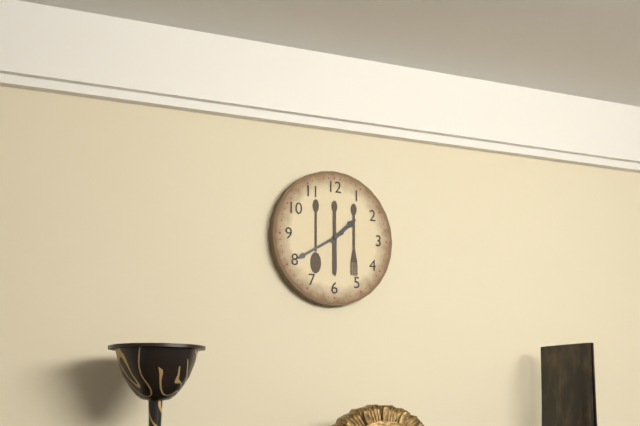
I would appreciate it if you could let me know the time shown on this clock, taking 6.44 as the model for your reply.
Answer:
1.40
